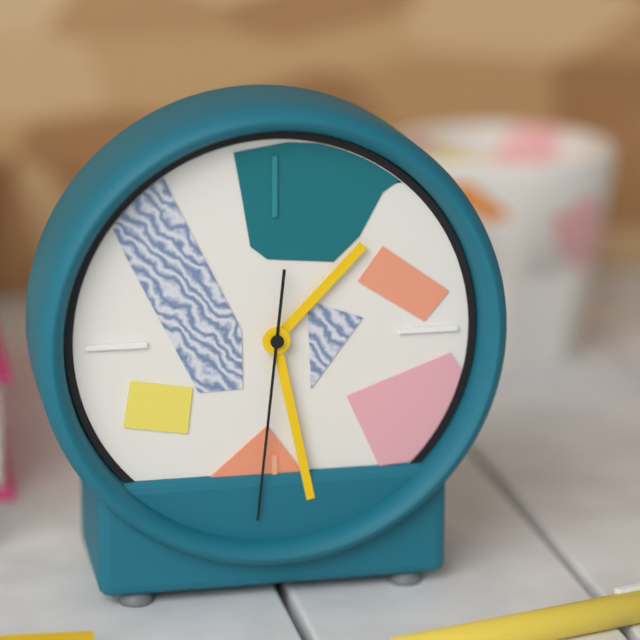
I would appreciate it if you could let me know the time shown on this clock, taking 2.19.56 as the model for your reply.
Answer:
1.28.31
